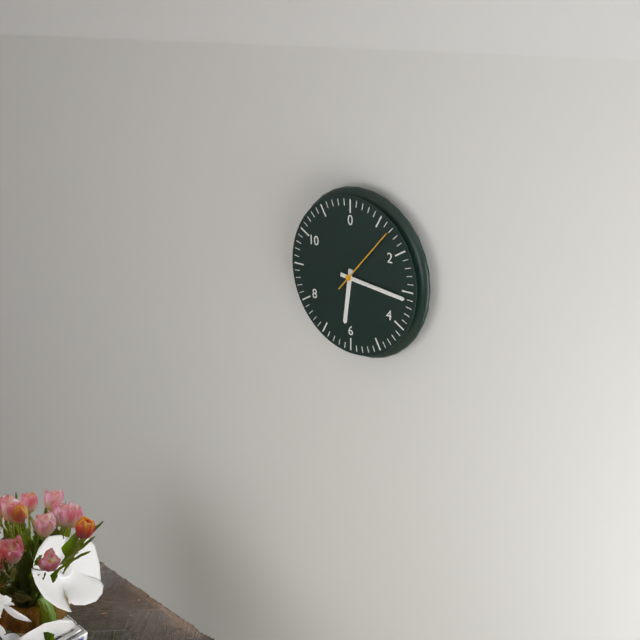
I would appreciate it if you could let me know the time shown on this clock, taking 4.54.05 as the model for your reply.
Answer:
6.16.07
